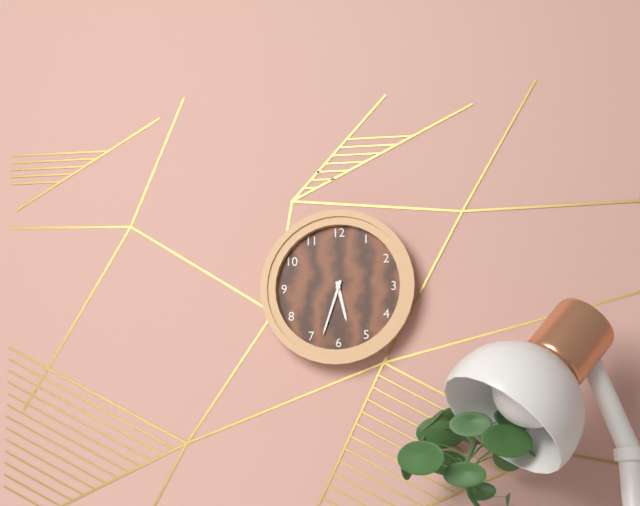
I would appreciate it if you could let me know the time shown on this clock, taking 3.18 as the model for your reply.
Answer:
5.33
